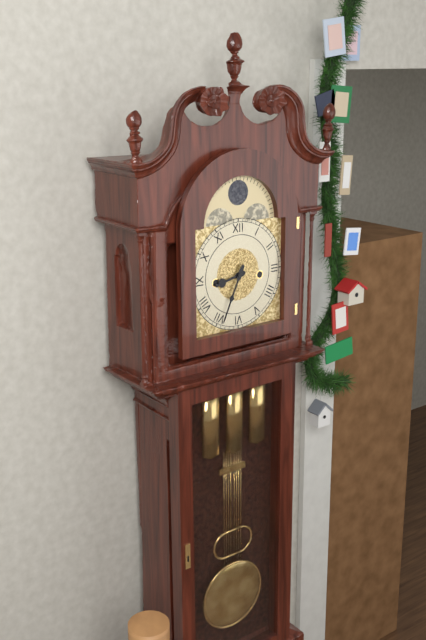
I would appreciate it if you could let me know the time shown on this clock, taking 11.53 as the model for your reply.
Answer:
8.34
